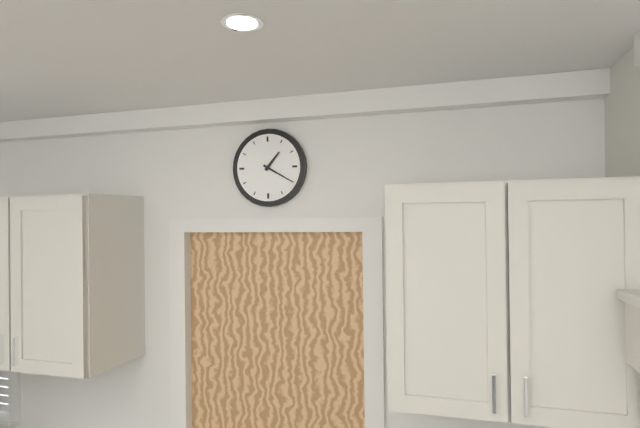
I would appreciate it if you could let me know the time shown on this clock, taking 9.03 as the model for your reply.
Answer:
1.20
